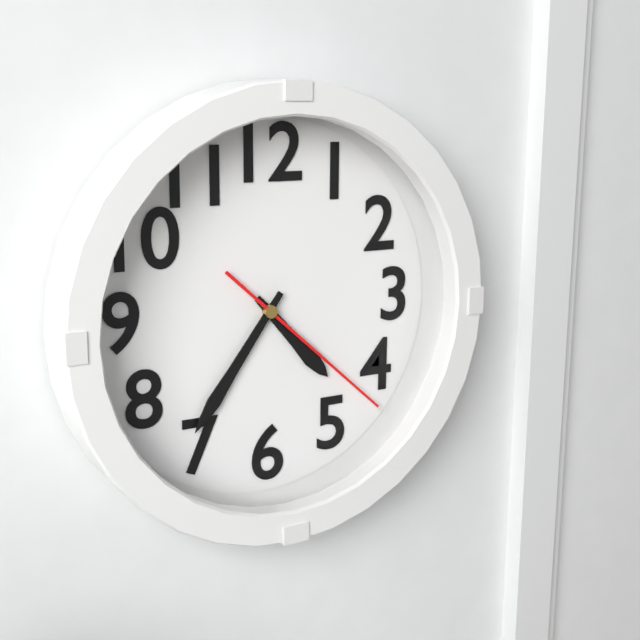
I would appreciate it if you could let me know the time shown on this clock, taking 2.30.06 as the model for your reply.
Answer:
4.36.22
